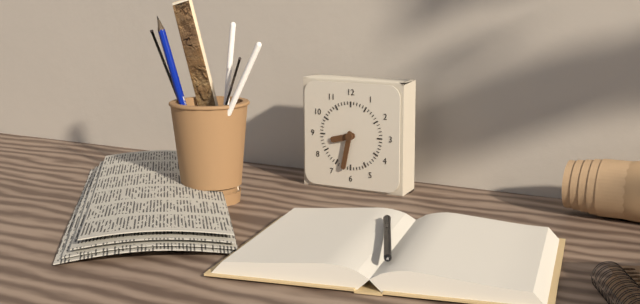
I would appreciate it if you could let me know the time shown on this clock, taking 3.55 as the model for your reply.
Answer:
8.32
